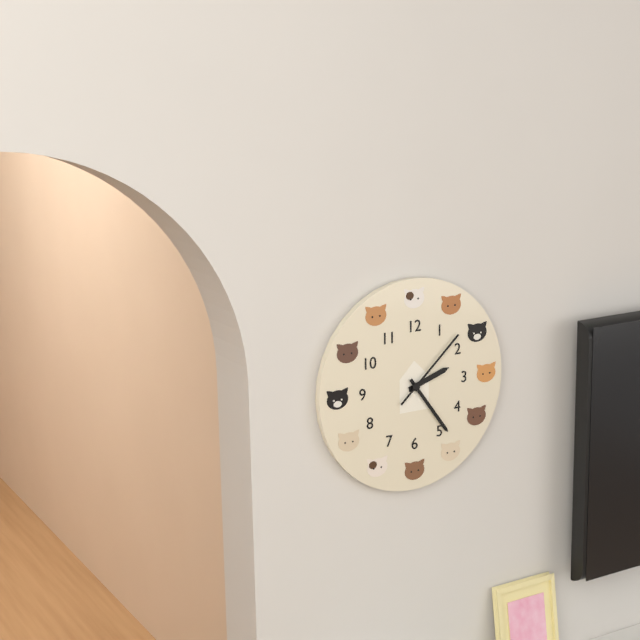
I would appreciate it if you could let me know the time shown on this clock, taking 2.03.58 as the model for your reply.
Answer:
2.24.08
